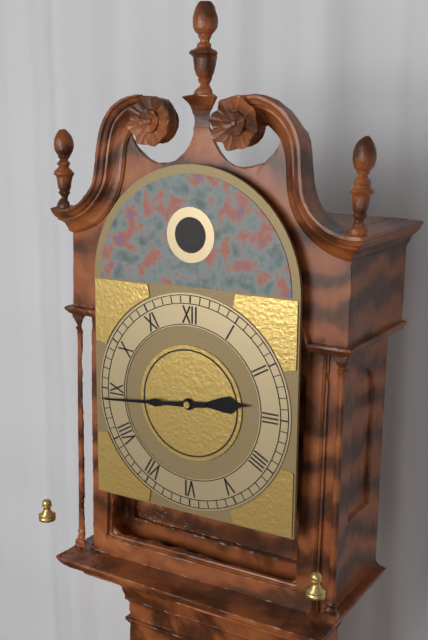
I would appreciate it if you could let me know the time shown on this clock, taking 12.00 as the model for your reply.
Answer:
2.44
